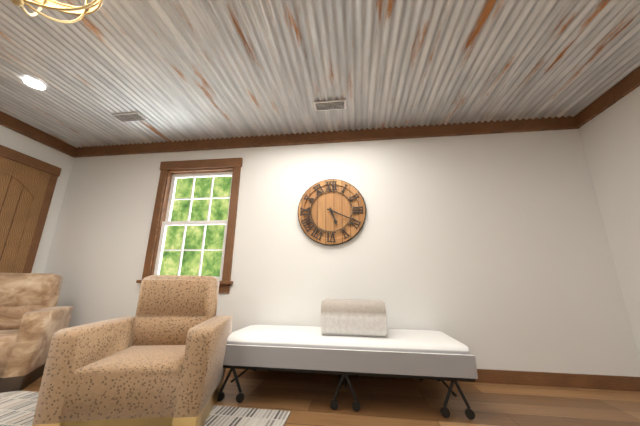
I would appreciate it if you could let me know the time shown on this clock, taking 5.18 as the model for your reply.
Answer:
5.19
